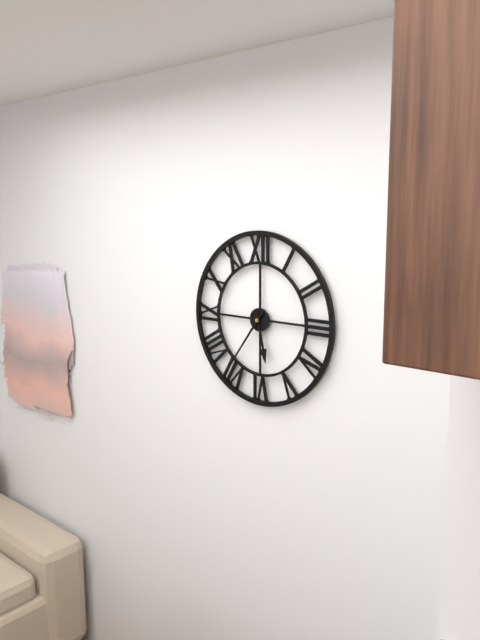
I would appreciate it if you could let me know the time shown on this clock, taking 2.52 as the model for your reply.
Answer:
5.36
